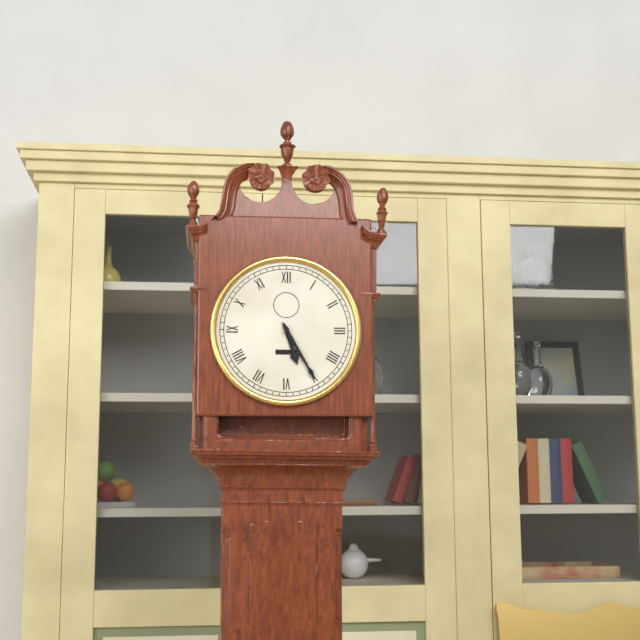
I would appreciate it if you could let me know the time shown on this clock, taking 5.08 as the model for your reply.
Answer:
5.25
